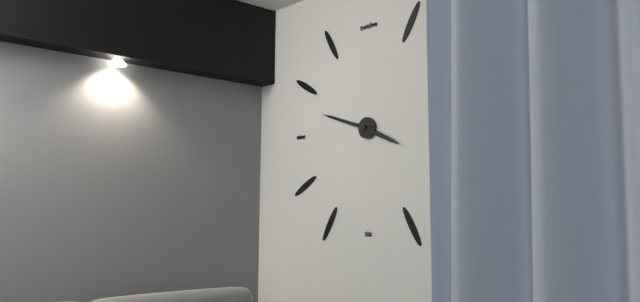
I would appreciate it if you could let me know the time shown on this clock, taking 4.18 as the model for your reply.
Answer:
3.48
